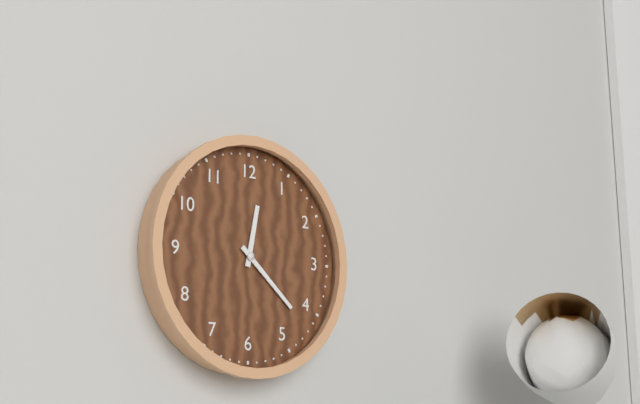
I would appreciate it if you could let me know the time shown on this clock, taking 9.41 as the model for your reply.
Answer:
12.22
